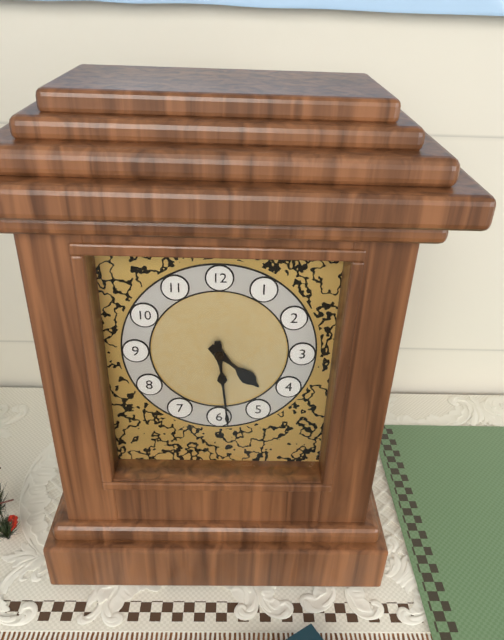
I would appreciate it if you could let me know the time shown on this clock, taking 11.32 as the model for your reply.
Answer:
4.29
